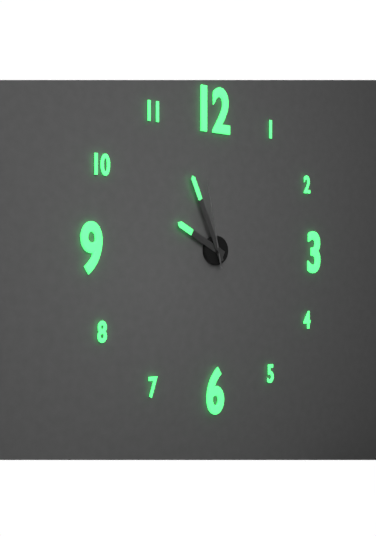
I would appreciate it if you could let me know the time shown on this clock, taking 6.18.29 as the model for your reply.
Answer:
9.56.58
